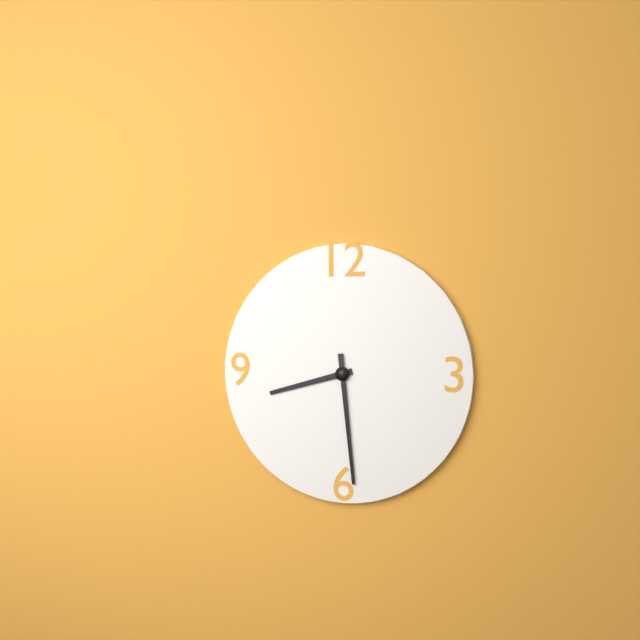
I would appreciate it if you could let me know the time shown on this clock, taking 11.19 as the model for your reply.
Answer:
8.29
